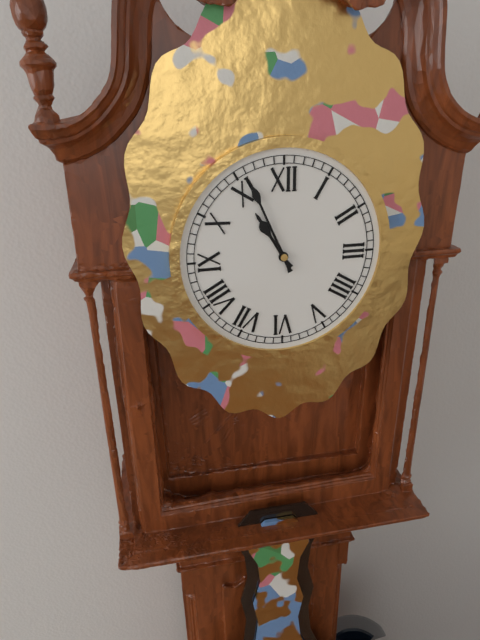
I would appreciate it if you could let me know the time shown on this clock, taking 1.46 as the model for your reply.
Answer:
10.56
